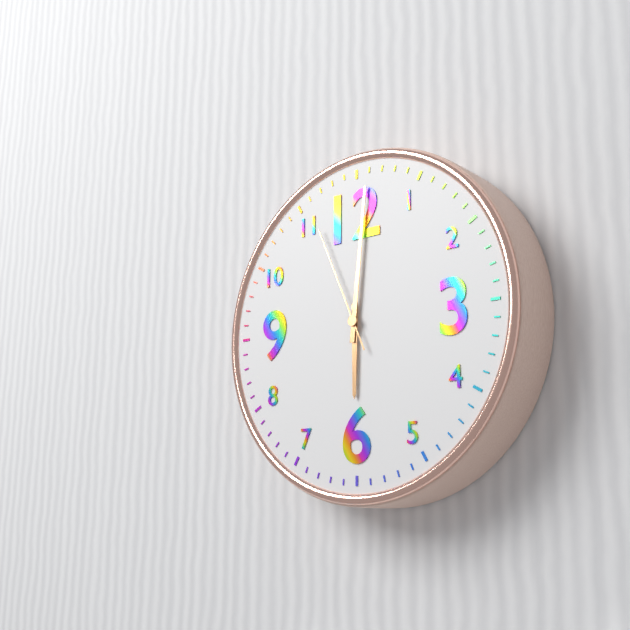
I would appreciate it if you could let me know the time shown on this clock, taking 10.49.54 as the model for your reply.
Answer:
6.01.56
